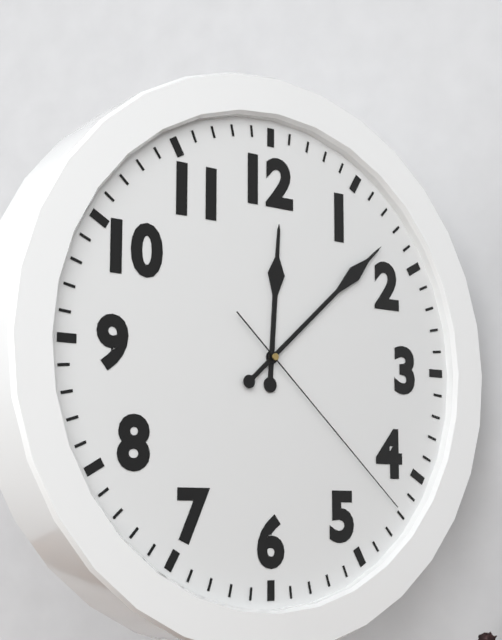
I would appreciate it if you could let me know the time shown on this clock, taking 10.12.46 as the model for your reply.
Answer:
12.08.22
